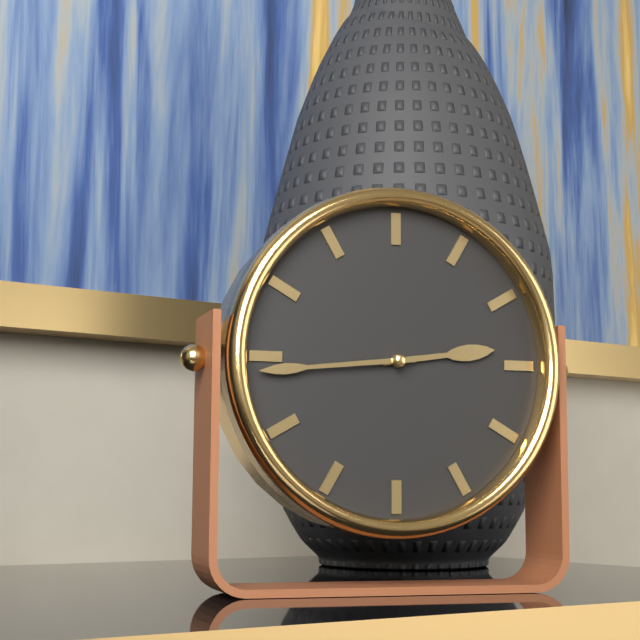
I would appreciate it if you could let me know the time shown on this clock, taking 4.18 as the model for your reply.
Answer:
2.44
